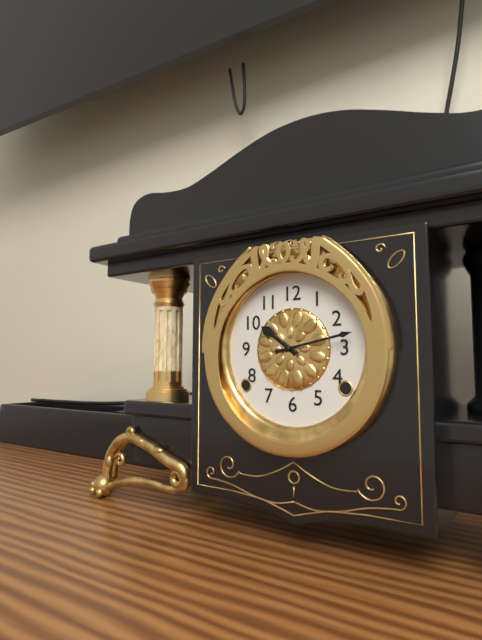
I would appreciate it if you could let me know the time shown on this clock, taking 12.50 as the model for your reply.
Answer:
10.13
